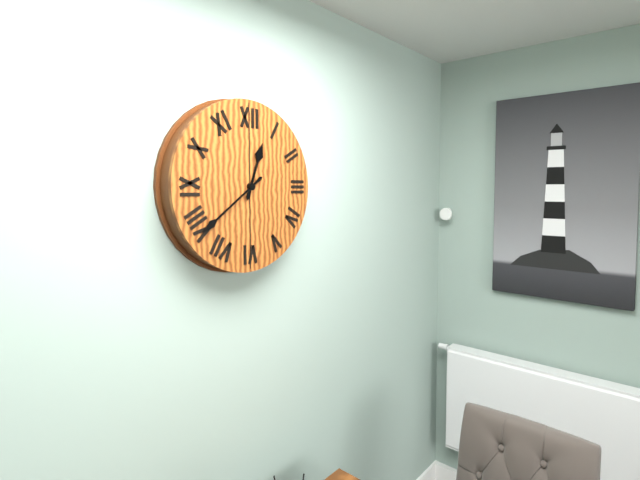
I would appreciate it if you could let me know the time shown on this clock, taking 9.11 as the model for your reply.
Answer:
12.39
